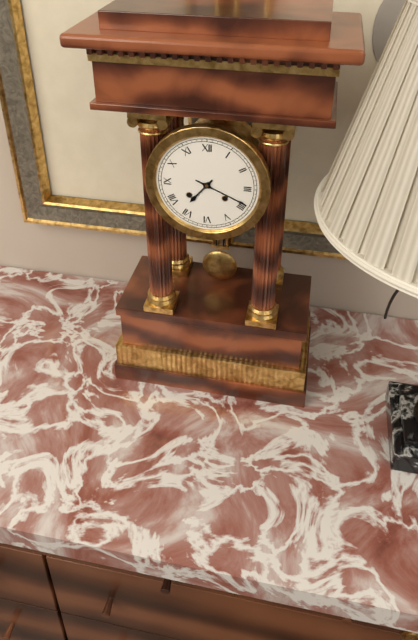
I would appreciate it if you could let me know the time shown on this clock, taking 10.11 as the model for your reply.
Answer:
7.19
